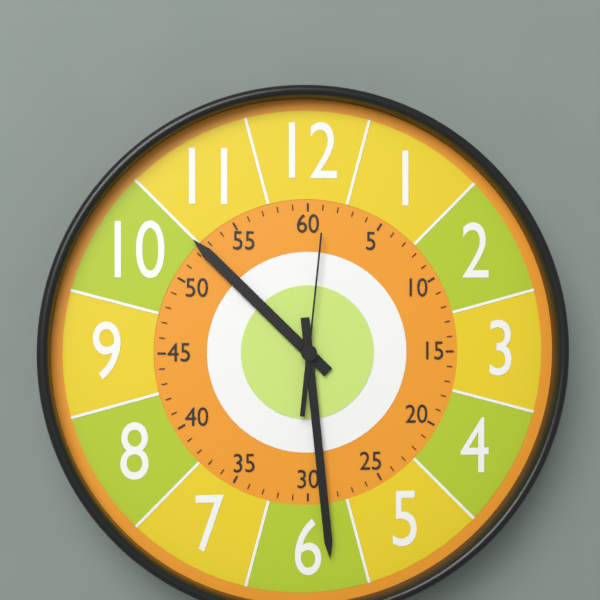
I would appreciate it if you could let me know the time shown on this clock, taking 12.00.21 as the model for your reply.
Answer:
10.29.01
